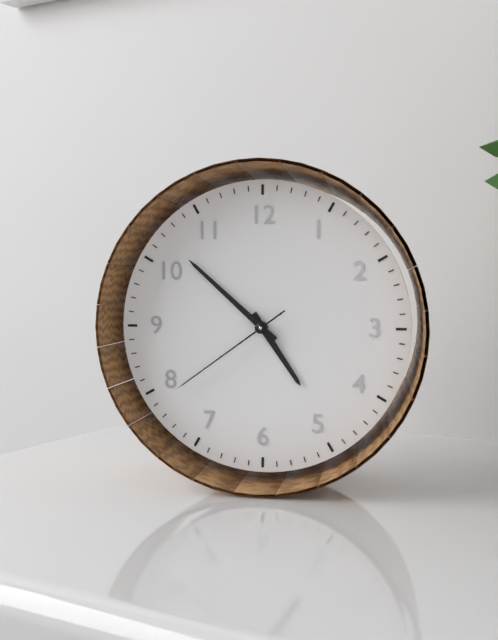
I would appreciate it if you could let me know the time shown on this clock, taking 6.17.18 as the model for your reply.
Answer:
4.52.39
